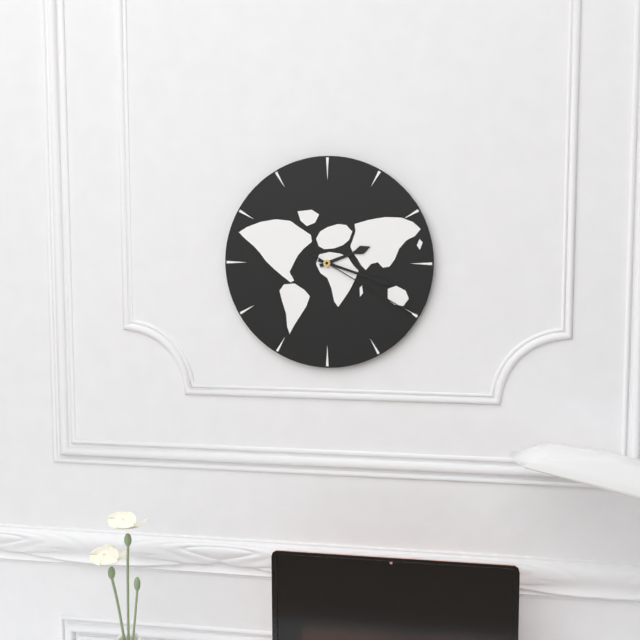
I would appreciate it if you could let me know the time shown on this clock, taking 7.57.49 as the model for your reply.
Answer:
2.18.20
